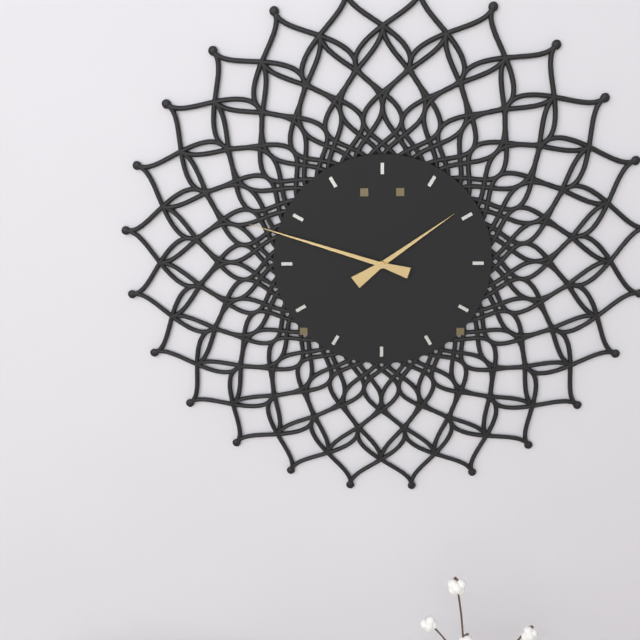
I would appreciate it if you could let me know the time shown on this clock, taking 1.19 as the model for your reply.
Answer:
1.48
